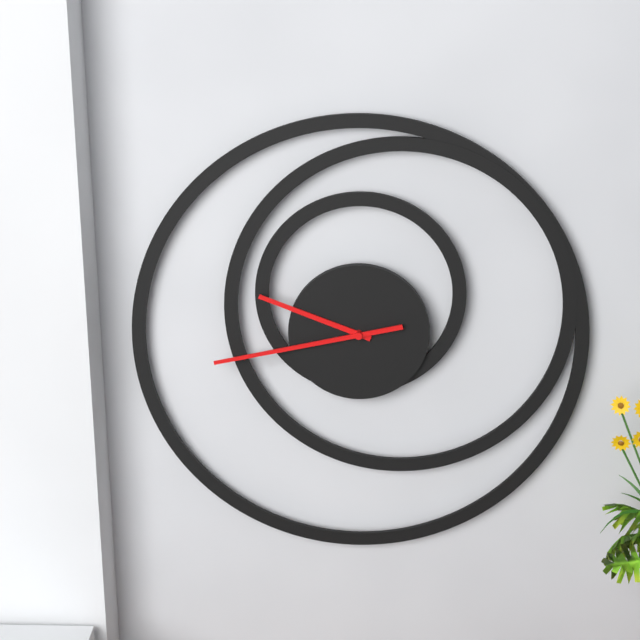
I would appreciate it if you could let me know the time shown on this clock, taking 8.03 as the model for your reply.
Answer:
9.43
